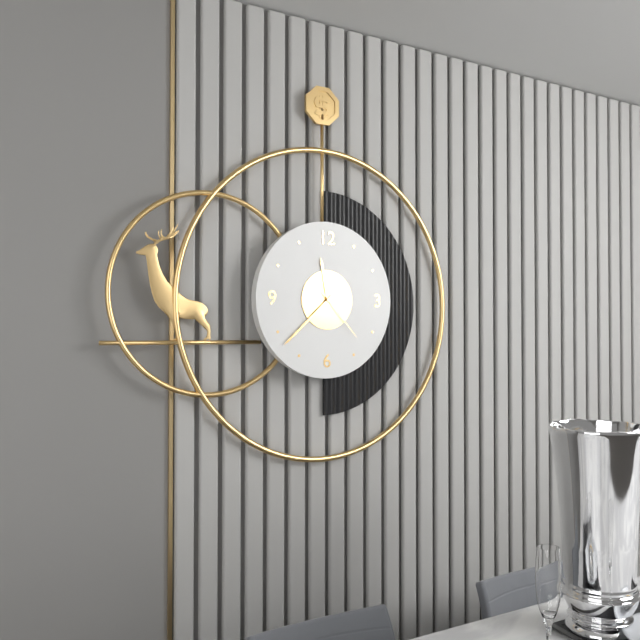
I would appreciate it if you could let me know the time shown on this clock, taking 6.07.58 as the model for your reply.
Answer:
11.38.23
